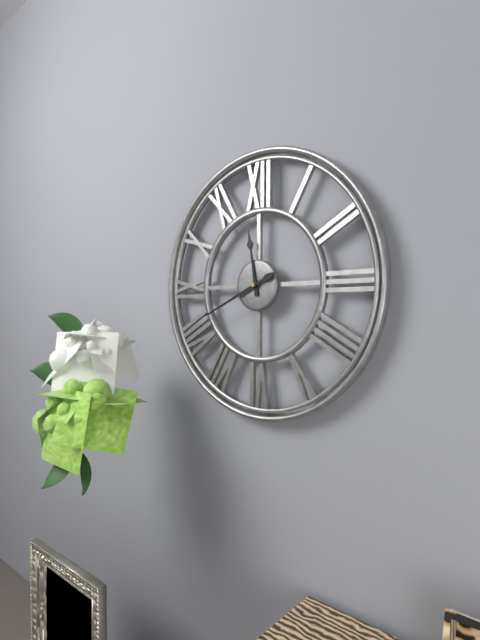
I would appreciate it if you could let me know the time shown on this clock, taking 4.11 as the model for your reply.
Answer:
11.41
